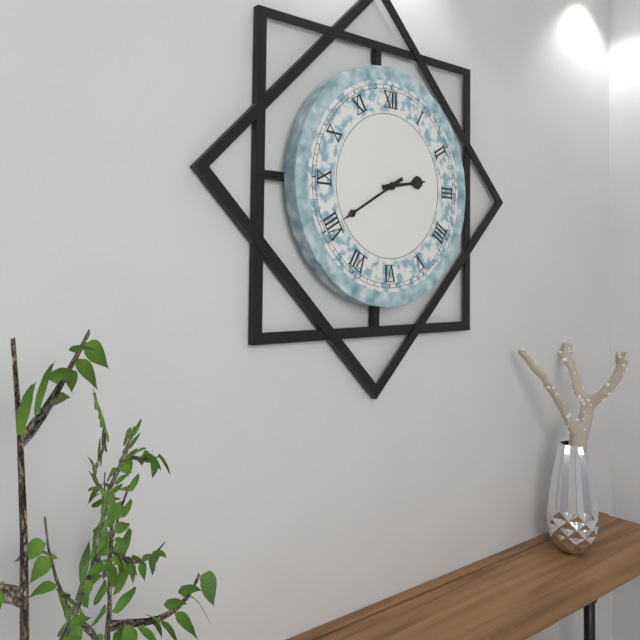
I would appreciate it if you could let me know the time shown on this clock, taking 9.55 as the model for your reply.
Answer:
2.40
